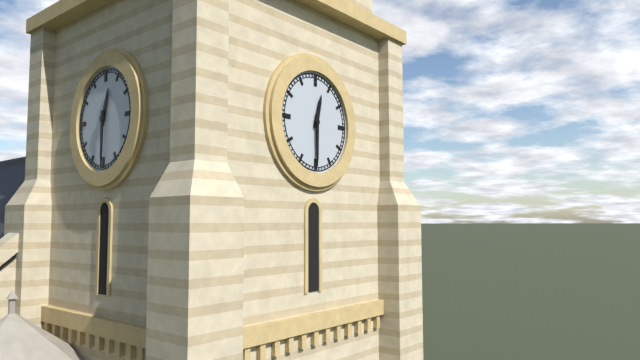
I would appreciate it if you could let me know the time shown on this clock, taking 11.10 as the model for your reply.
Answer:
12.30
